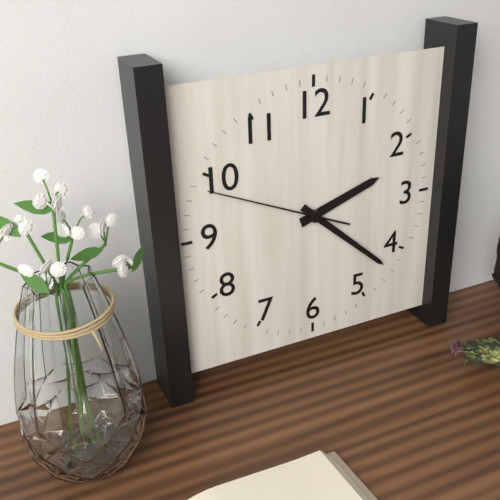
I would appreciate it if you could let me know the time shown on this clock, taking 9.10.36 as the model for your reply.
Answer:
2.22.49
